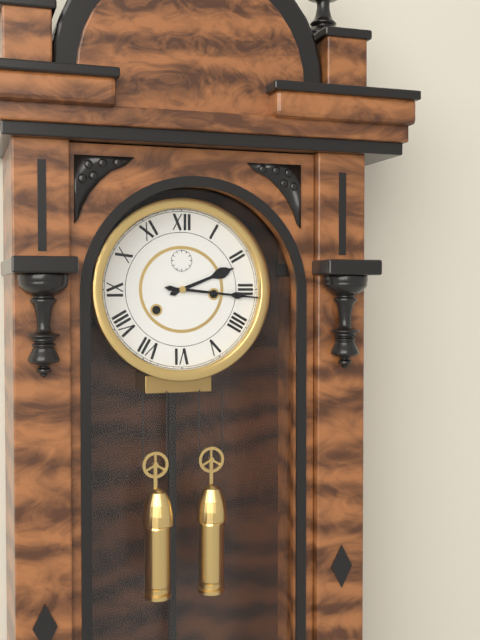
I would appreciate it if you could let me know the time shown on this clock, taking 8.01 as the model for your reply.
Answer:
2.16
